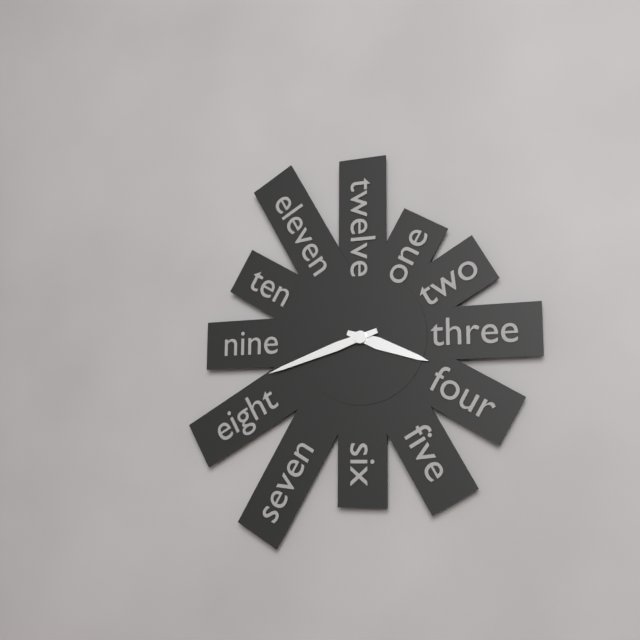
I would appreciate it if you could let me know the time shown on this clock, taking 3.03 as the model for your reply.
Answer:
3.42
